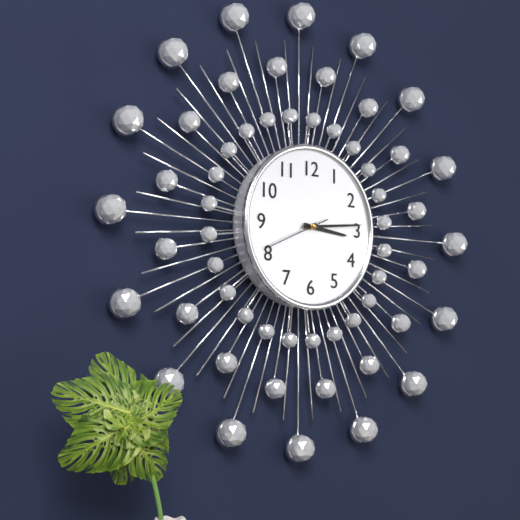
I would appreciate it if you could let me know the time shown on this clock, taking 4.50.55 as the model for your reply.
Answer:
3.14.41
